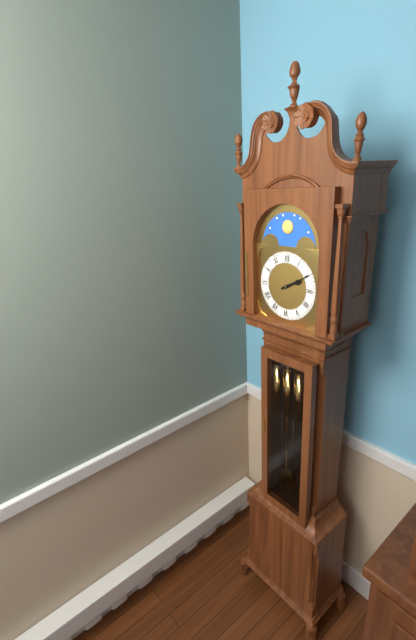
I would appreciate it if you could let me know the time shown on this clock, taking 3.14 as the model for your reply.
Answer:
2.10
